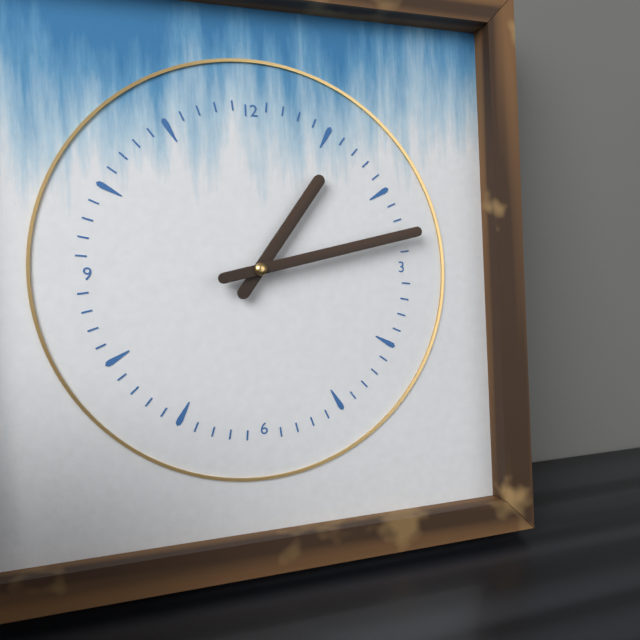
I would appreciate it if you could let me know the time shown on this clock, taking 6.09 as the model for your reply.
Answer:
1.13
